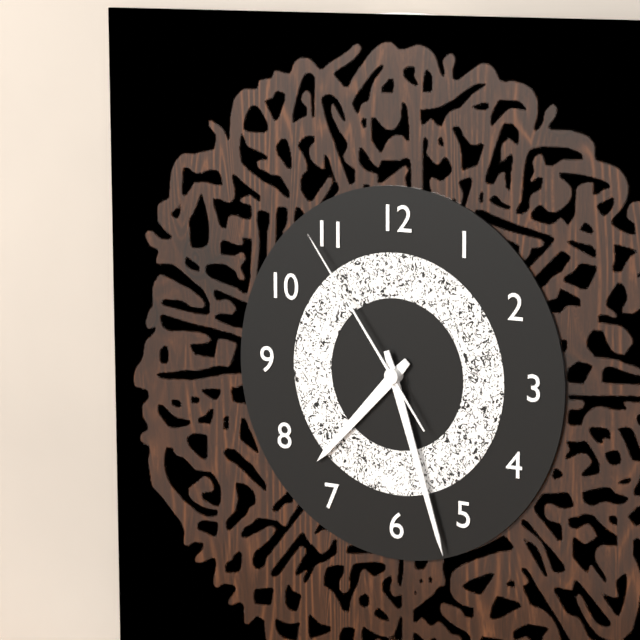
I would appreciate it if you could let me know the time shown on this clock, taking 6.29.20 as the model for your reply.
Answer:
7.27.54
